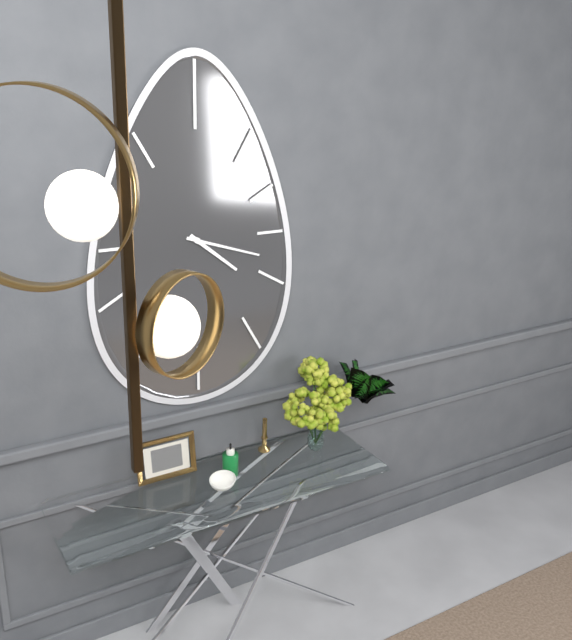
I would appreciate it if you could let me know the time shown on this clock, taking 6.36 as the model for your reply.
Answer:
4.18
